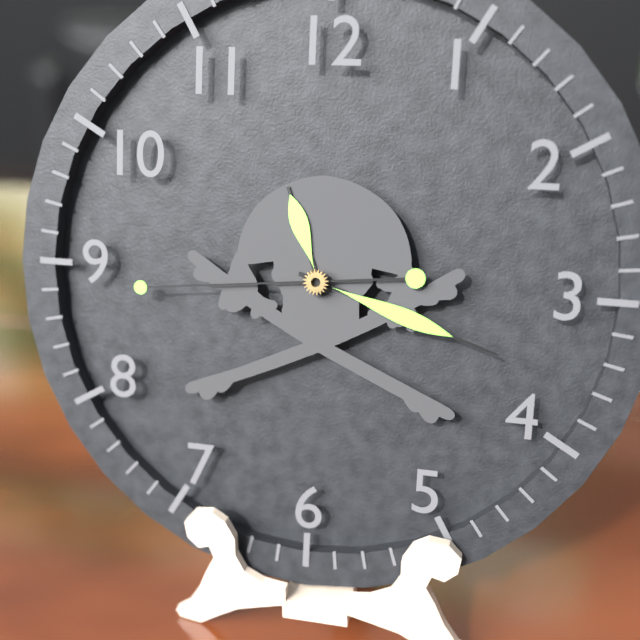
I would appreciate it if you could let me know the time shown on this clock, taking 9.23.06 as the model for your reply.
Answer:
11.18.44
